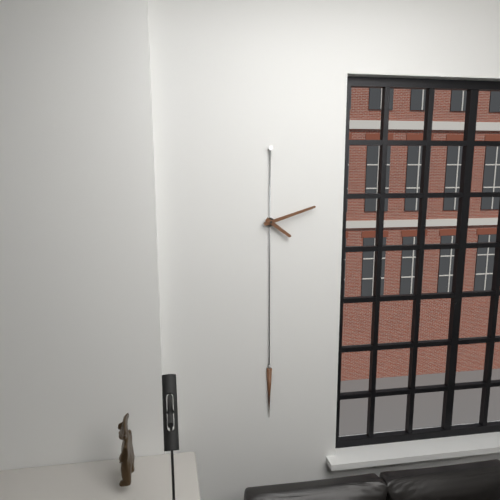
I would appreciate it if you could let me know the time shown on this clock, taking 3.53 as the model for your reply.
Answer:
4.12
